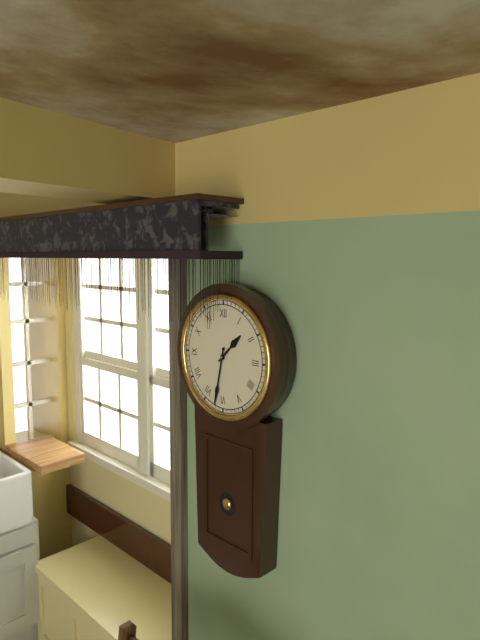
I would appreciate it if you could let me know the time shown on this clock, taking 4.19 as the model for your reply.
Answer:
1.32
